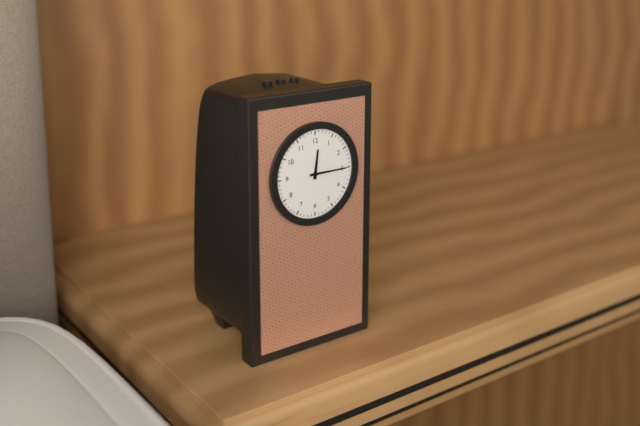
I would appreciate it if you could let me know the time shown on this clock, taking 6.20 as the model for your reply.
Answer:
12.15
